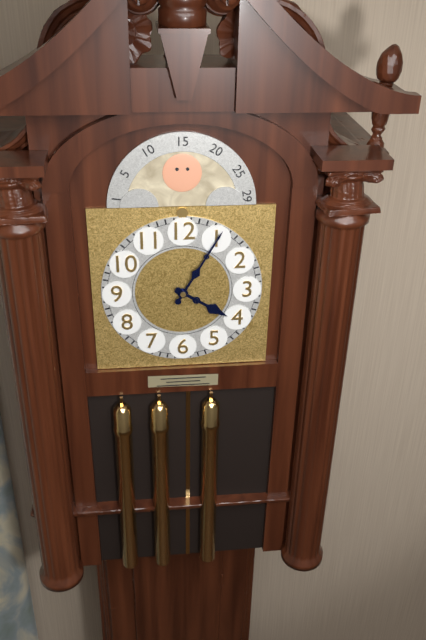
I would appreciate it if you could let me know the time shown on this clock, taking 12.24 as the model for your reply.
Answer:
4.05
